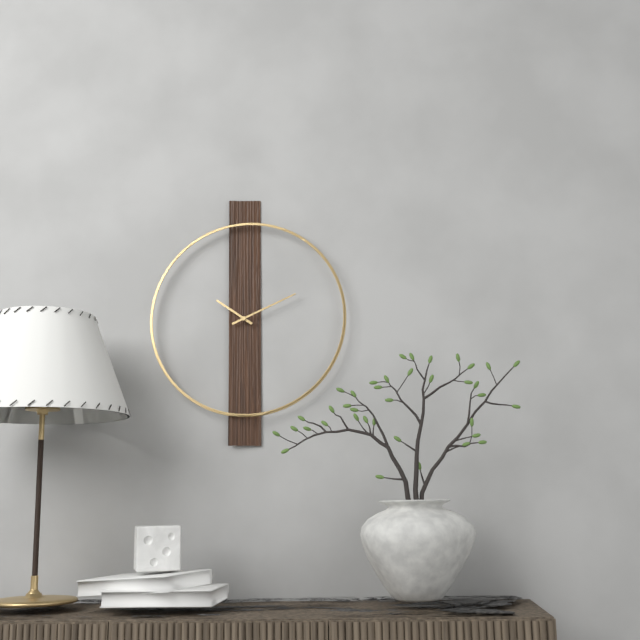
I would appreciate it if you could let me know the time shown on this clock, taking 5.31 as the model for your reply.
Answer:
10.11
